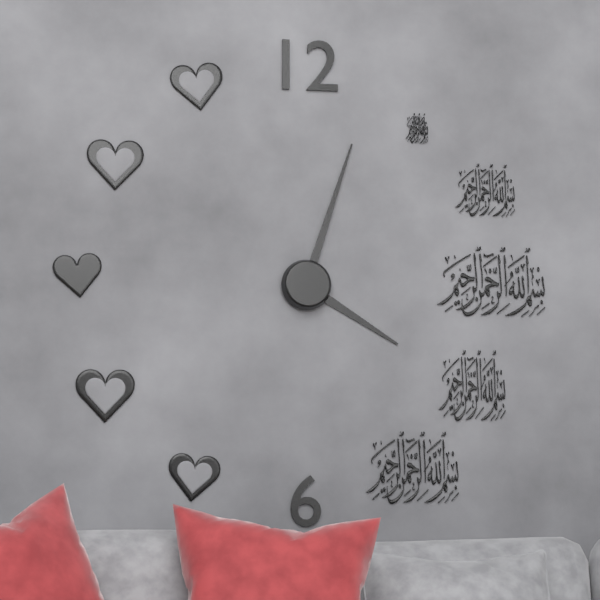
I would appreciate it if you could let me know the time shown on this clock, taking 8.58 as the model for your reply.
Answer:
4.03
